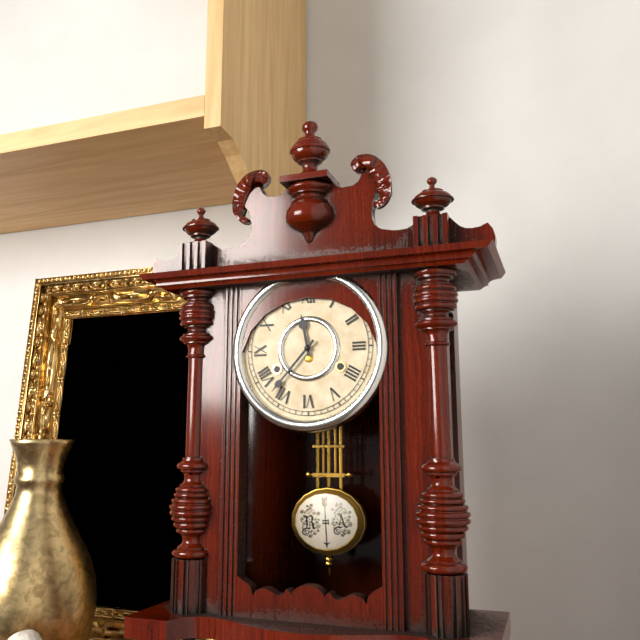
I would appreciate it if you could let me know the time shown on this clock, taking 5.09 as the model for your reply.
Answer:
11.37
